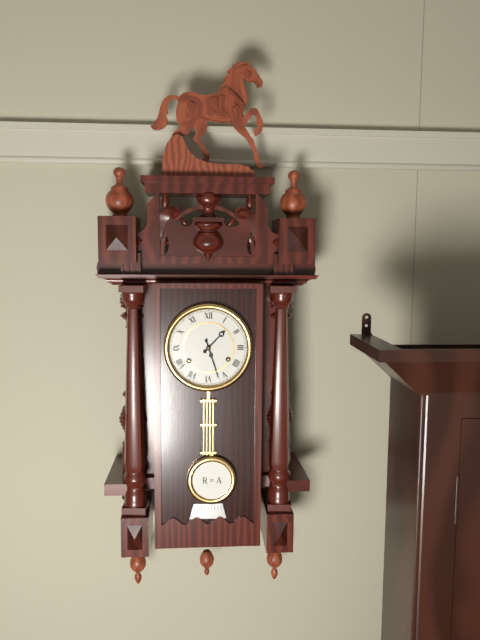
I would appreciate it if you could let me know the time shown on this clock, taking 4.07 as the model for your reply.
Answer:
1.27
